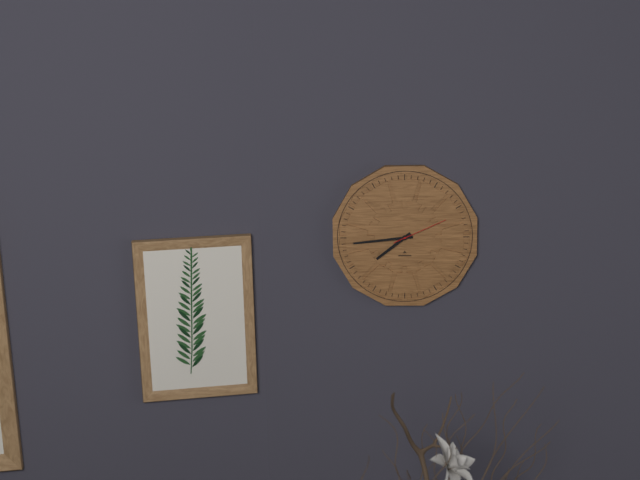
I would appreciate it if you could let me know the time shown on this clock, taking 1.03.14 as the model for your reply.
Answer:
7.44.11
